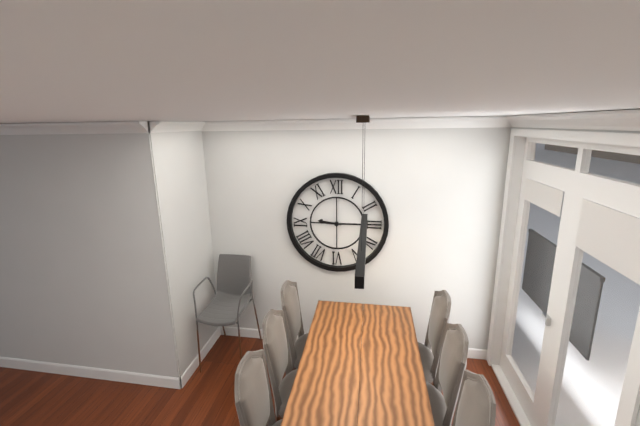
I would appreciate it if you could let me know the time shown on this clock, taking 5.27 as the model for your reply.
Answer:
9.15
